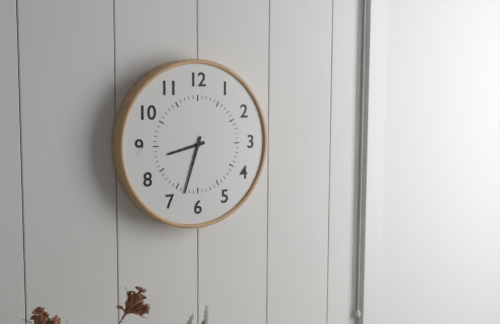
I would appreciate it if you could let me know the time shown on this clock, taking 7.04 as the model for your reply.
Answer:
8.33
